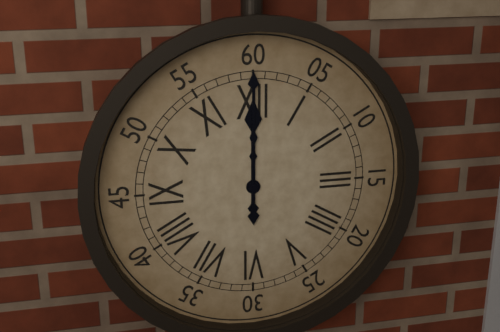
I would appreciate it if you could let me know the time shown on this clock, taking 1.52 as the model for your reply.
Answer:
12.00
